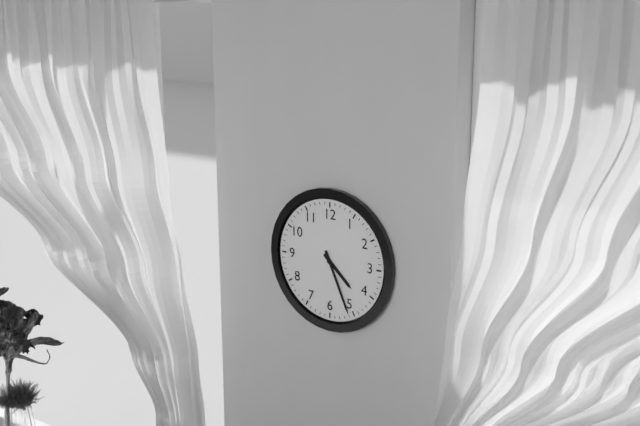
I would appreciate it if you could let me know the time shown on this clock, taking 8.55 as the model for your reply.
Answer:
4.26
